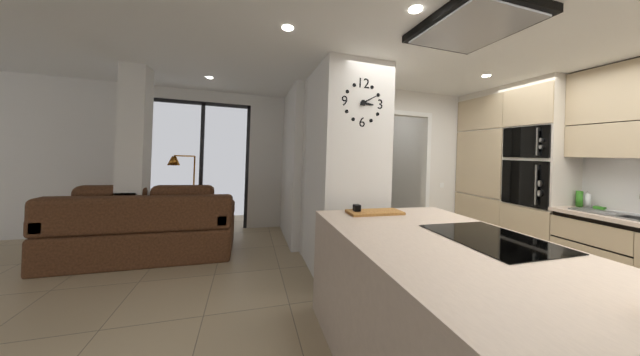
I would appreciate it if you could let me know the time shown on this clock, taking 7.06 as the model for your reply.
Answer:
3.10
